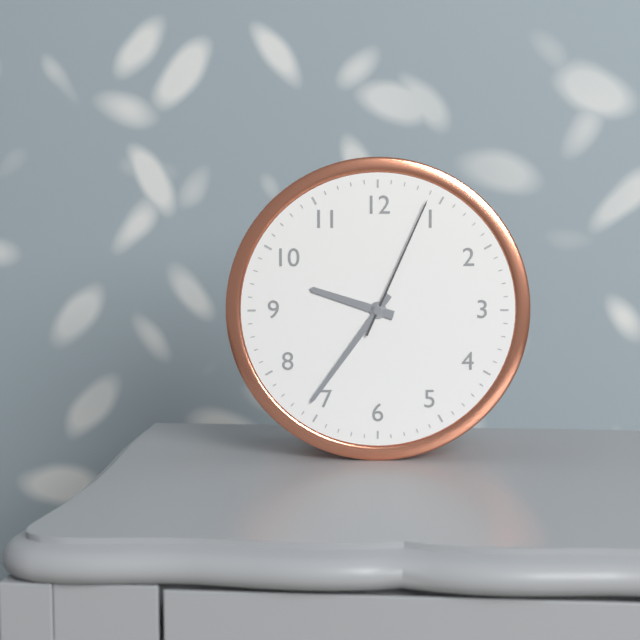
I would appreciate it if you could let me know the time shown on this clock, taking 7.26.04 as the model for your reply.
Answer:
9.36.04
